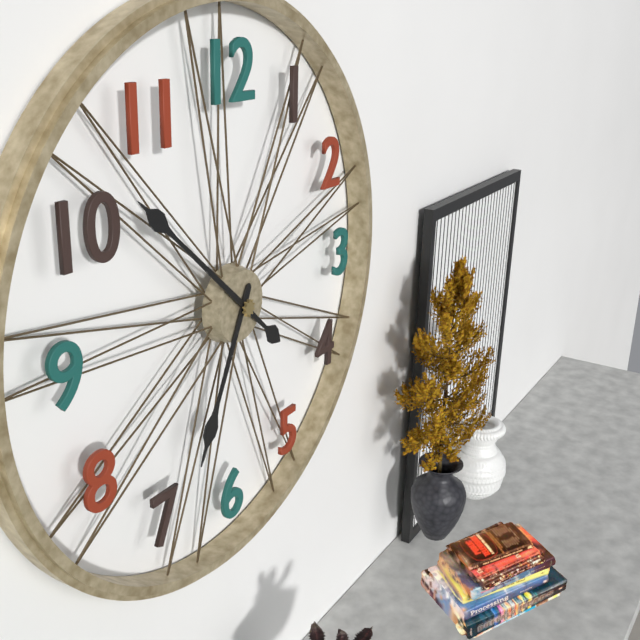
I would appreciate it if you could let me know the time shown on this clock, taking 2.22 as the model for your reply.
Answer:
6.52
